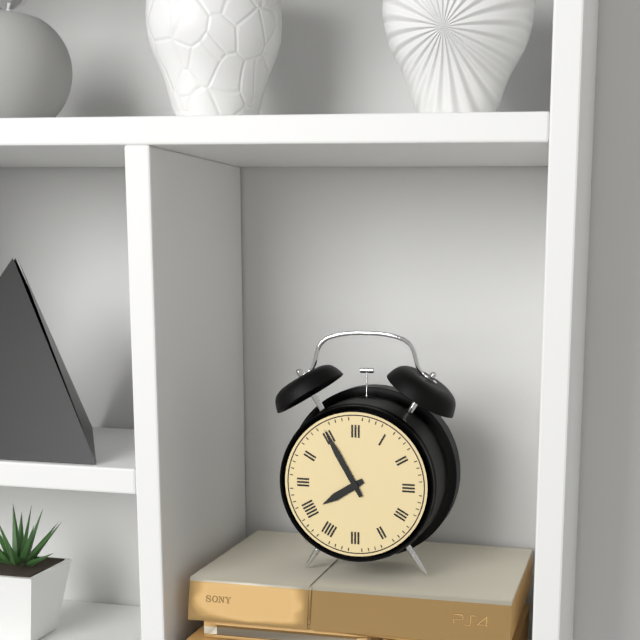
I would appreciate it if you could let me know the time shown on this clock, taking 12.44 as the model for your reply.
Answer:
7.55
